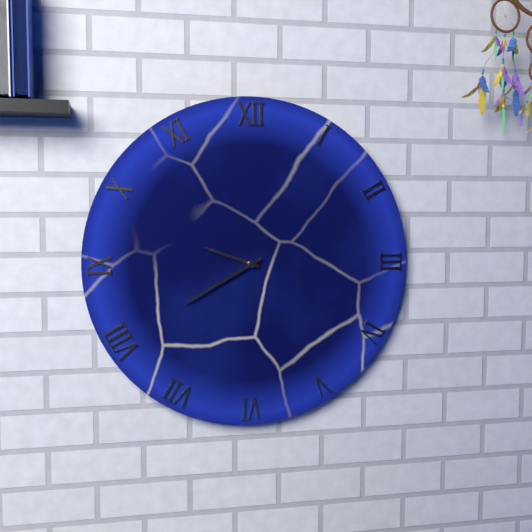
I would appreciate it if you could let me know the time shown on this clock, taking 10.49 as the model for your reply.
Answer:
9.40
